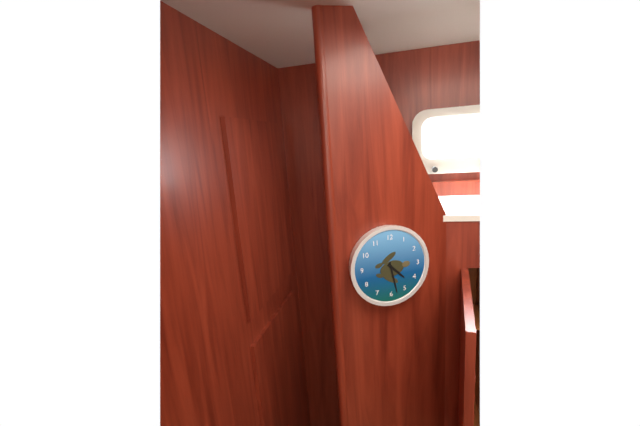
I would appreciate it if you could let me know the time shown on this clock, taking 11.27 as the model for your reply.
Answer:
4.28
